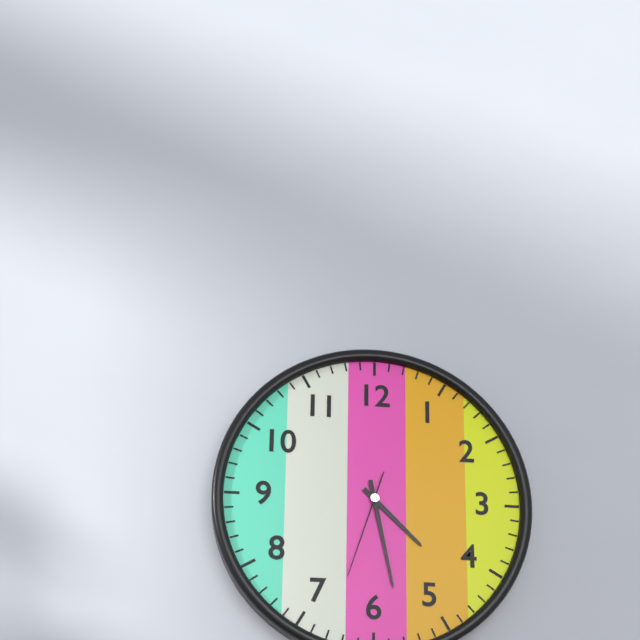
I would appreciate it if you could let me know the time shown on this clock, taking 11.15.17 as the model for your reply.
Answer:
4.28.33
